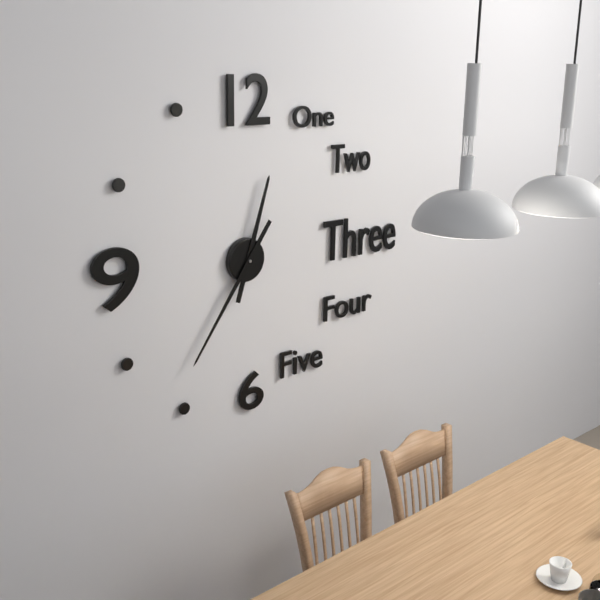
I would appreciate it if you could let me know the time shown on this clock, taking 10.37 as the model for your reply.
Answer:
12.36
